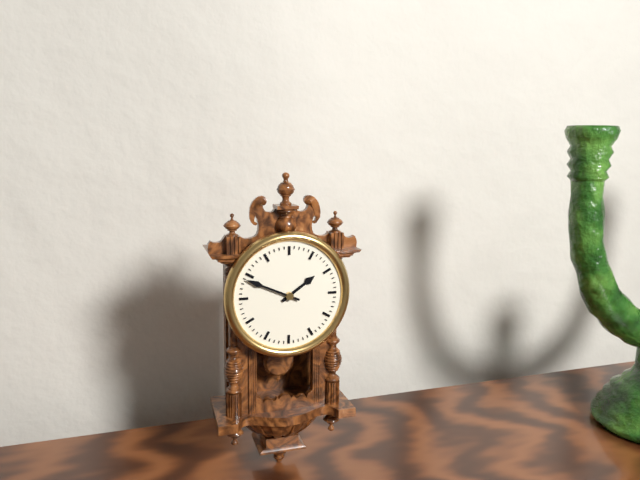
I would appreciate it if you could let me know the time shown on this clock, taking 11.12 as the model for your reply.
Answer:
1.49
